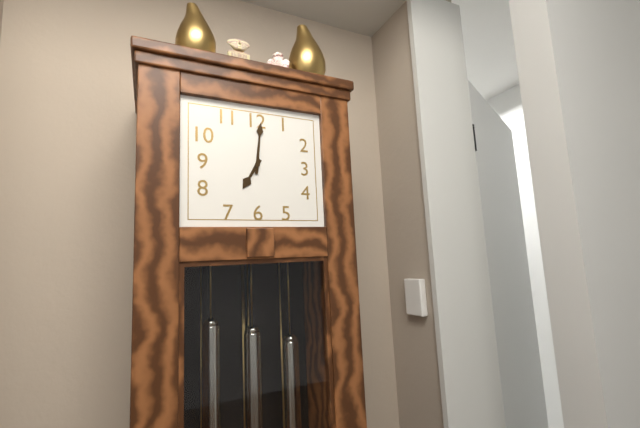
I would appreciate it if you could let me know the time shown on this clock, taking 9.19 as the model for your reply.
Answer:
7.01
